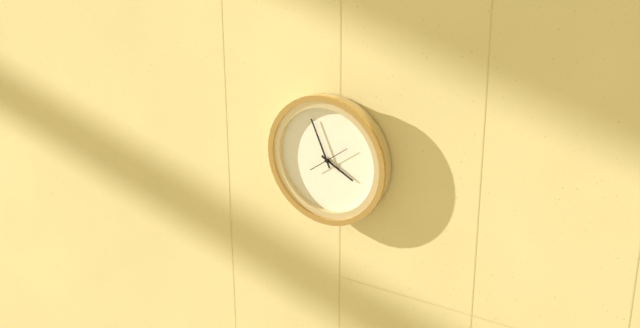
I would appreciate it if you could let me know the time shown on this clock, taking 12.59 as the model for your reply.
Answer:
3.56
